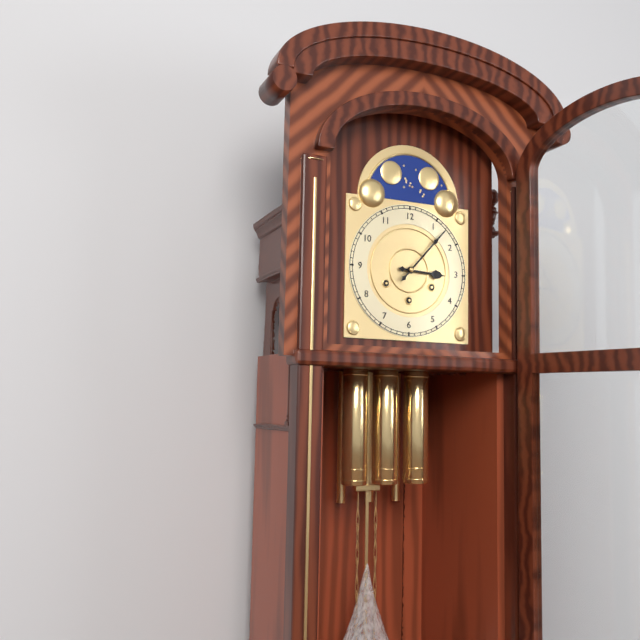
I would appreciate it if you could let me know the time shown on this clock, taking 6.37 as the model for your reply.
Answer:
3.07
